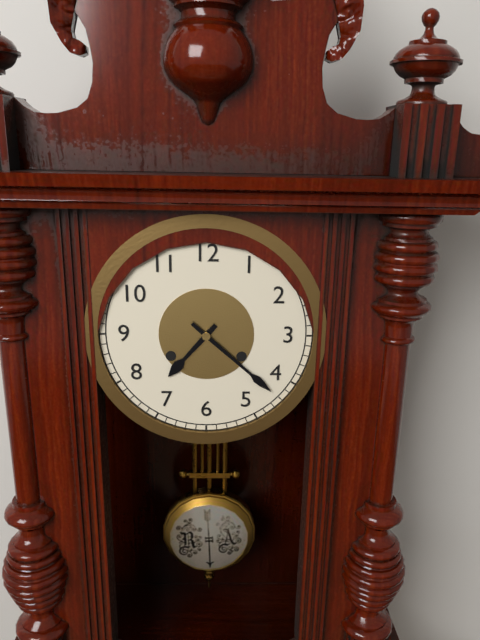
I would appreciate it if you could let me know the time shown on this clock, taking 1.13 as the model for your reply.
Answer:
7.22
